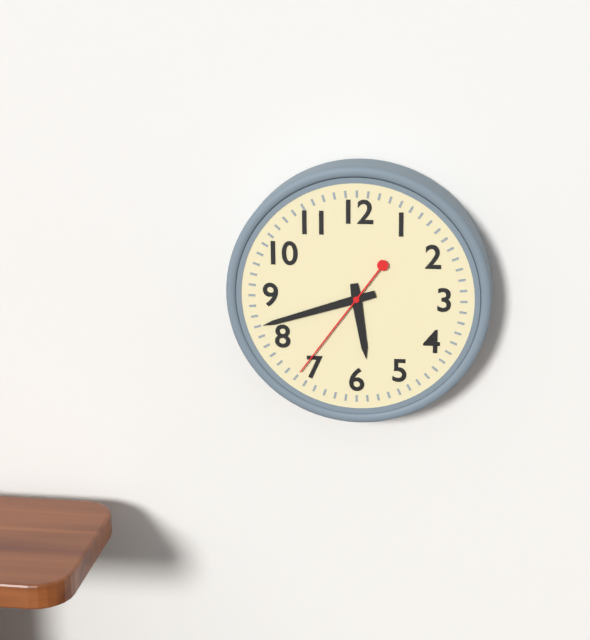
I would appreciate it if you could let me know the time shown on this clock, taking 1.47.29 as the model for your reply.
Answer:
5.42.36
